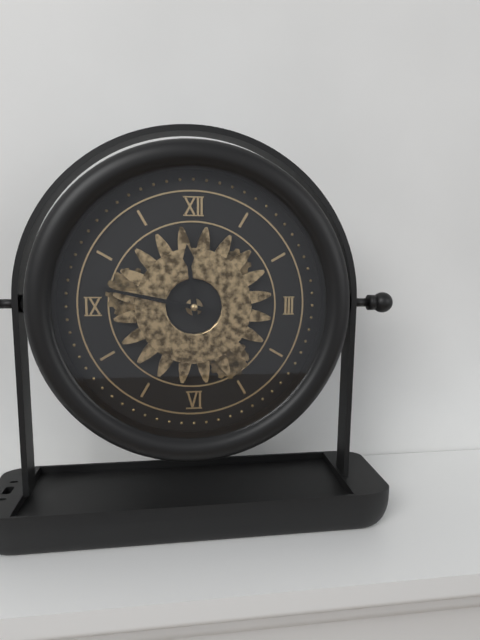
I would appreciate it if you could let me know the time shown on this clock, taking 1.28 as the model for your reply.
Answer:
11.47
